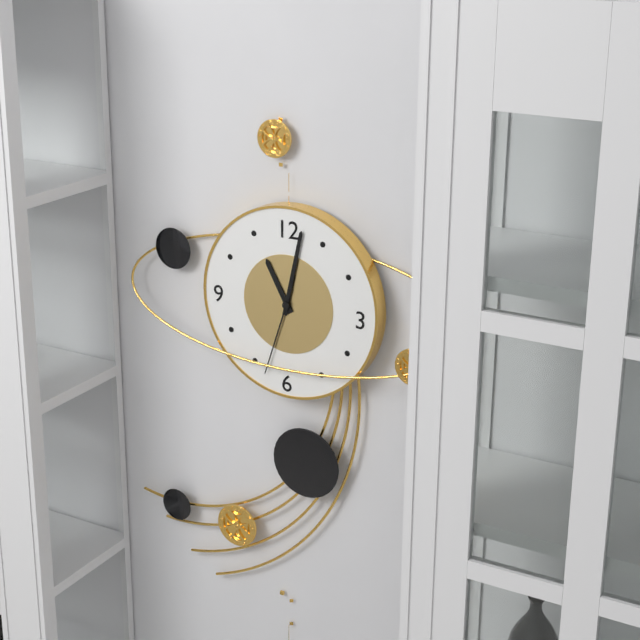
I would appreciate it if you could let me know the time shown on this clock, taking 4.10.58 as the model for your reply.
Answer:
11.02.33
